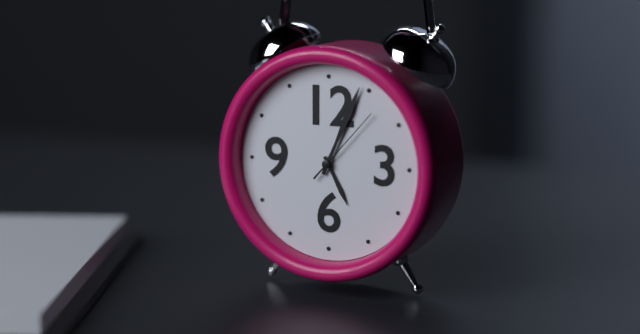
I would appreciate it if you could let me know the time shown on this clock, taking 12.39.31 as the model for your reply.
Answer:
5.04.07
